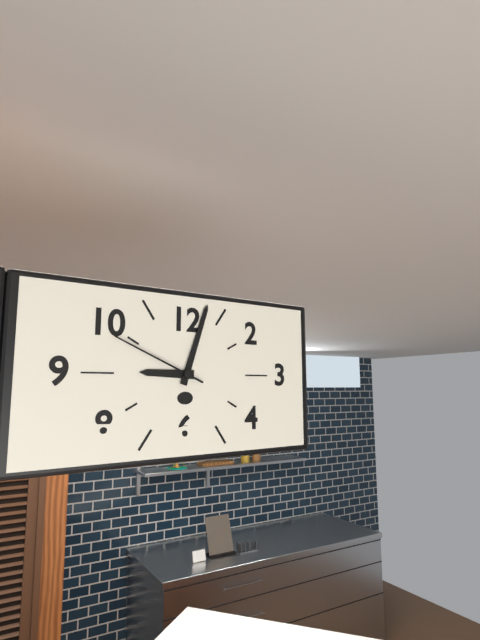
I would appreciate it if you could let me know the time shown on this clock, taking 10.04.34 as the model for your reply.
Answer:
9.03.49
